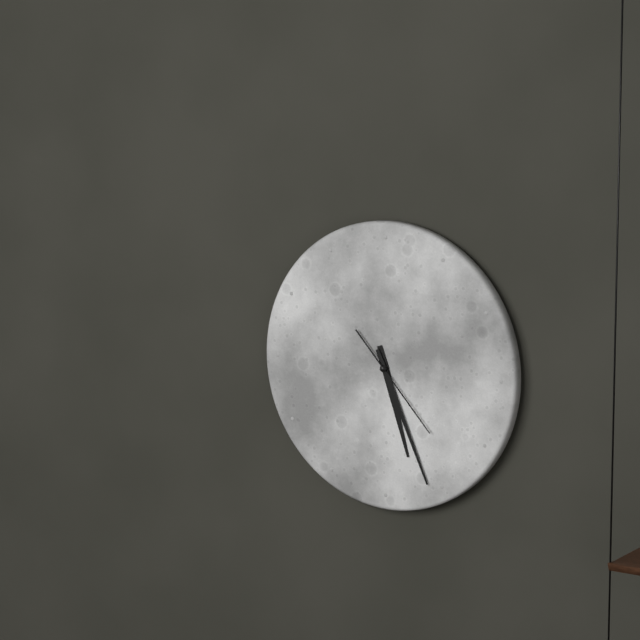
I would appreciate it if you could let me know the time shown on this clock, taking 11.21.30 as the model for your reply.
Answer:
5.26.23
